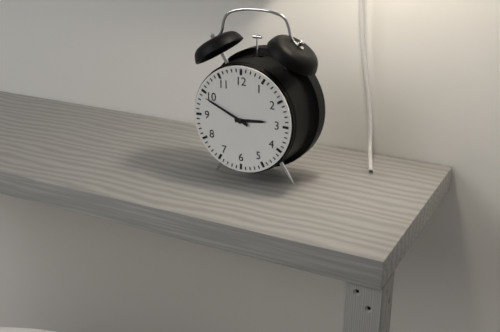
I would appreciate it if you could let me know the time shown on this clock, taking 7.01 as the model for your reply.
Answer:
2.49
